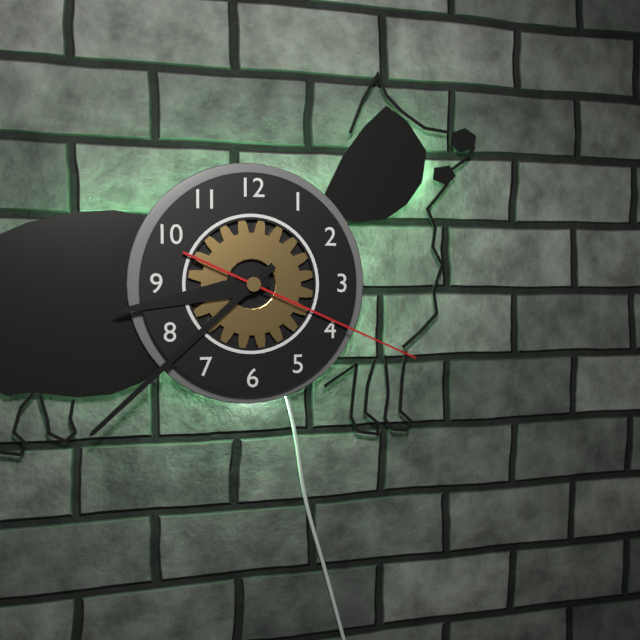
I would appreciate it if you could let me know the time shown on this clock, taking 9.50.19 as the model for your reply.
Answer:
8.38.19
